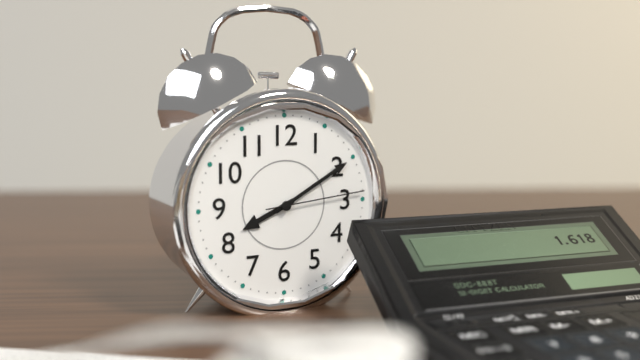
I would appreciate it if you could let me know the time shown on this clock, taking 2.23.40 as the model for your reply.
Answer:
8.10.14
